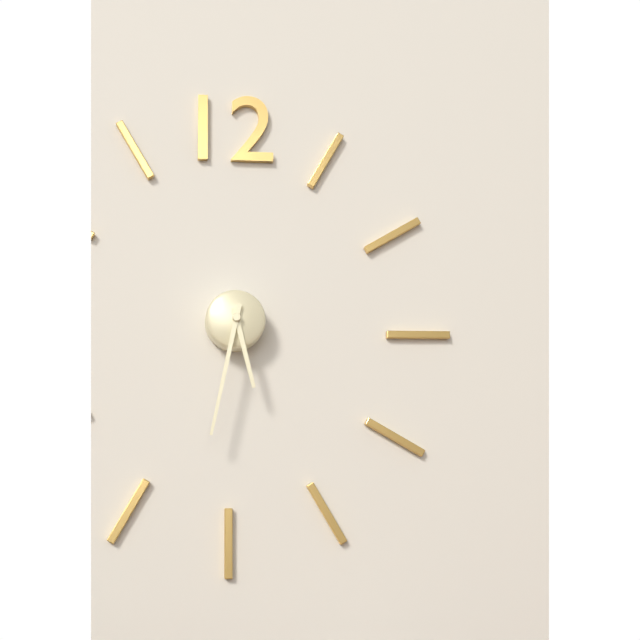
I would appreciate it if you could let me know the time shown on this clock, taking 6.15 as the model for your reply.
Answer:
5.32
